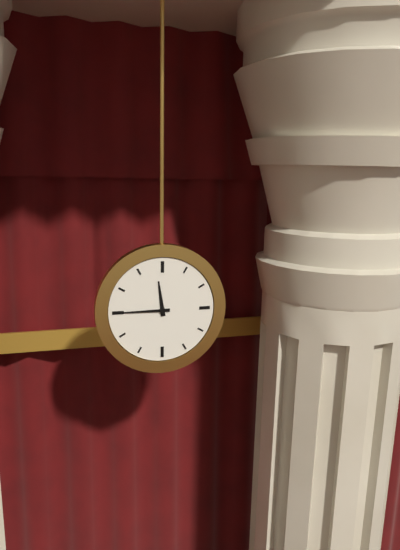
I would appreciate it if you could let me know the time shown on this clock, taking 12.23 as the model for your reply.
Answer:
11.45
